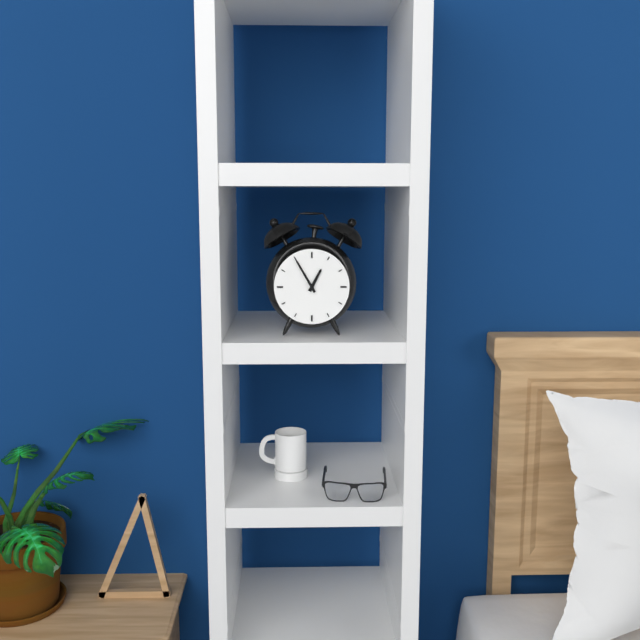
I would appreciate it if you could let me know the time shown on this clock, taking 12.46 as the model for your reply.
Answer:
12.55
